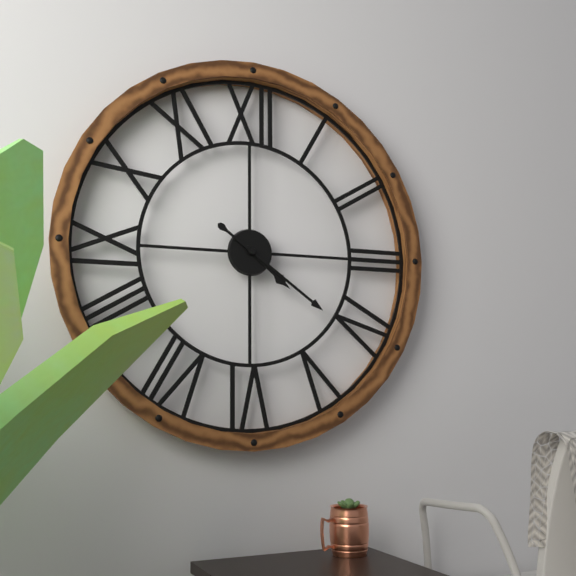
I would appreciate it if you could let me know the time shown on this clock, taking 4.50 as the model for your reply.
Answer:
4.21
